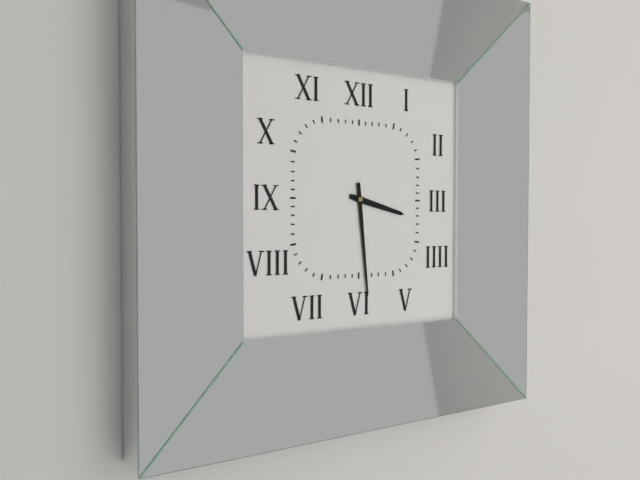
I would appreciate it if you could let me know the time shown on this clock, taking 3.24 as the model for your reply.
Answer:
3.29
